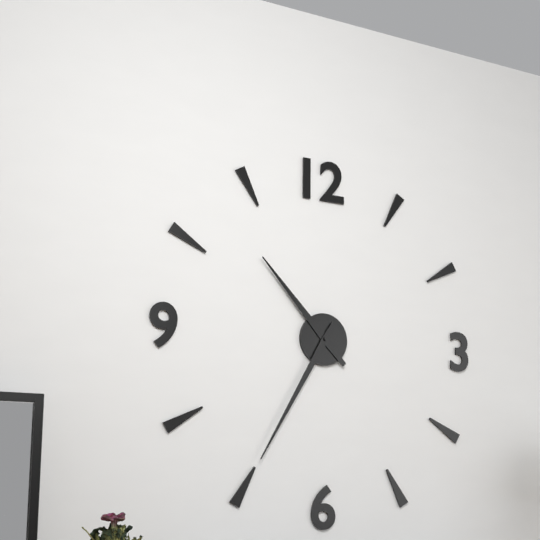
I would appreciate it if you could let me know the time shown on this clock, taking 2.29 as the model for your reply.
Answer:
10.35
